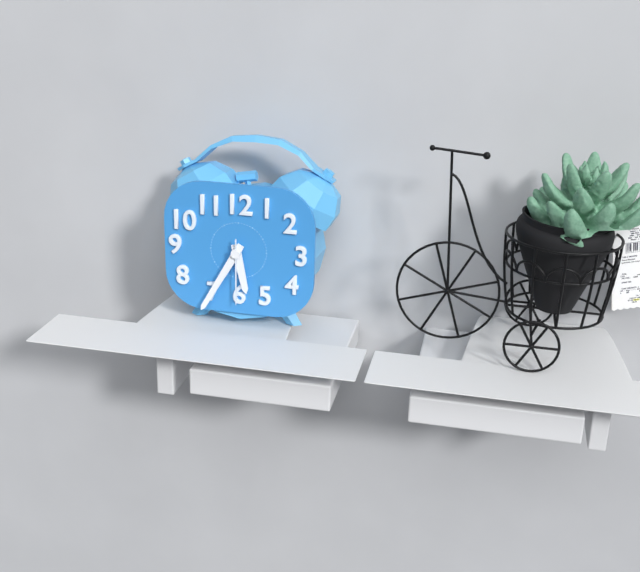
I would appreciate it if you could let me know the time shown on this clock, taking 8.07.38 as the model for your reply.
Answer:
5.35.30
